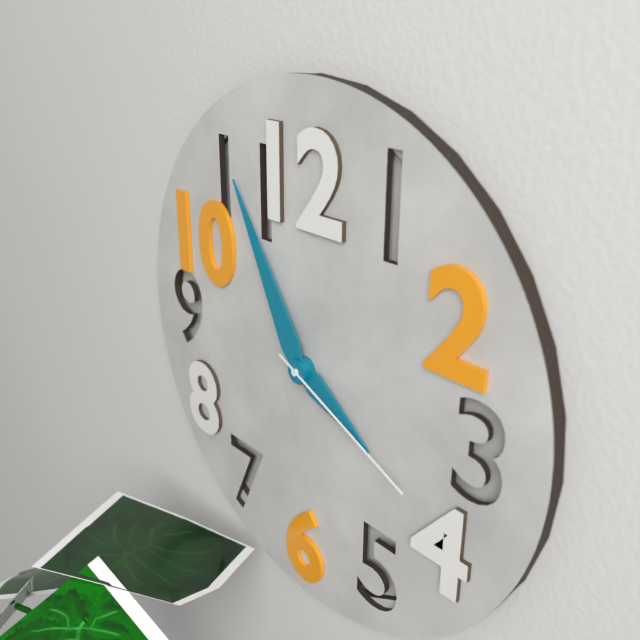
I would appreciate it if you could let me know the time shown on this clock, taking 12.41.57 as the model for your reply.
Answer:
3.55.19
